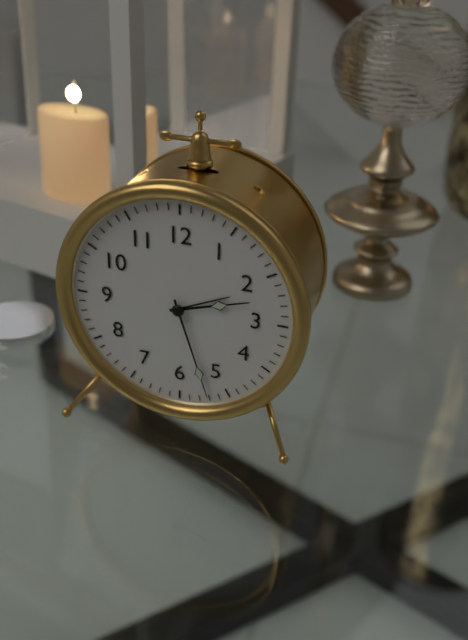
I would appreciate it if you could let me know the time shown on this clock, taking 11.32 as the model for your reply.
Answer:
2.27
